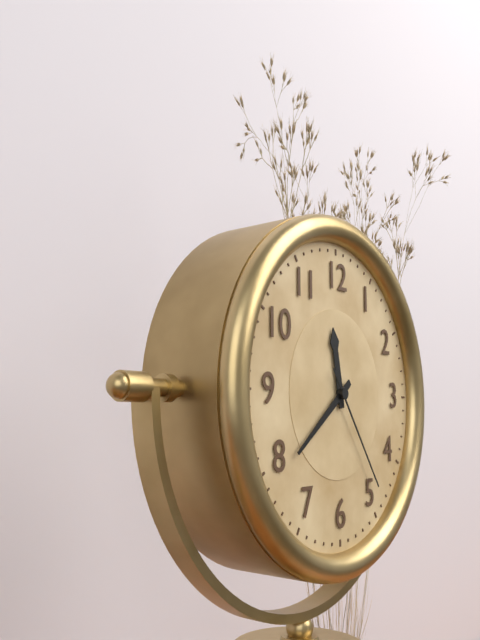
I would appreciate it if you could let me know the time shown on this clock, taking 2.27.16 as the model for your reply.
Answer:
11.39.24
